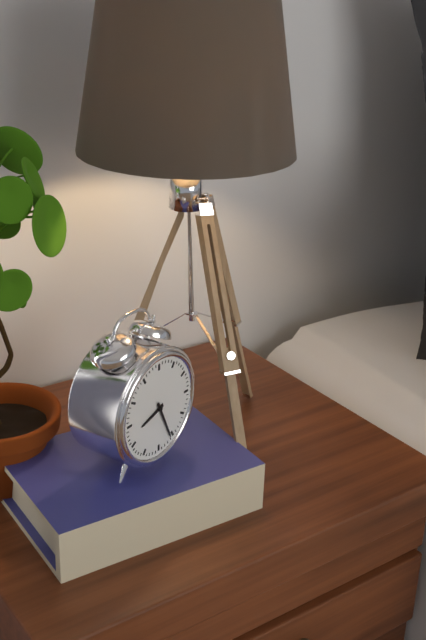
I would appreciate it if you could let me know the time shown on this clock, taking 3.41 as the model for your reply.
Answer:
8.26
